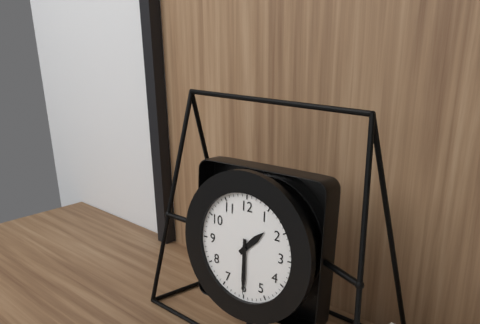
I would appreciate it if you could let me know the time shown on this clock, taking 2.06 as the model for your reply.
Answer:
1.30
